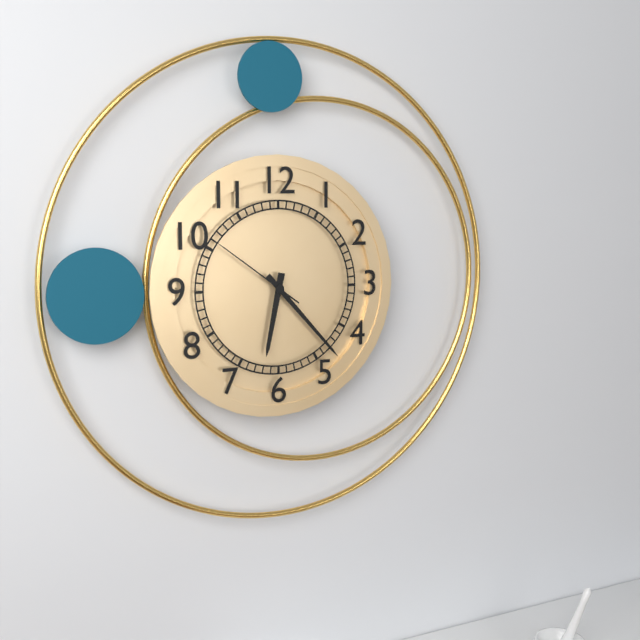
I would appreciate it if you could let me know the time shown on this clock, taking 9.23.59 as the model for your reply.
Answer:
6.23.51
